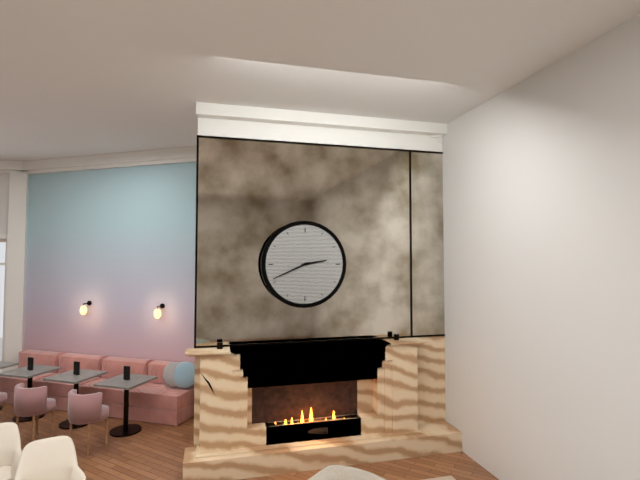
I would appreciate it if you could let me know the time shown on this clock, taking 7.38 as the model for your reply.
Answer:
2.41
